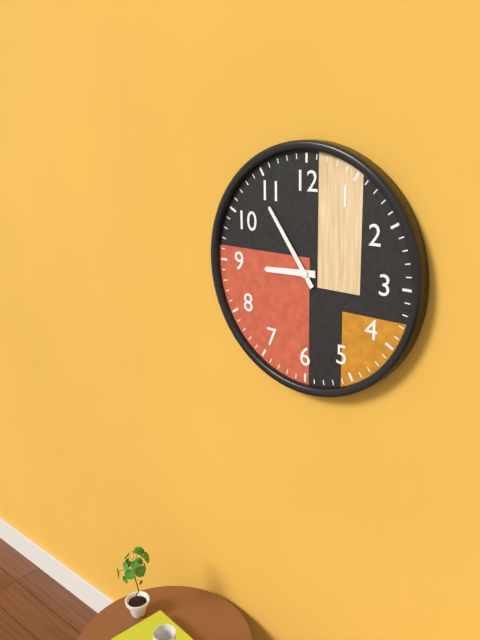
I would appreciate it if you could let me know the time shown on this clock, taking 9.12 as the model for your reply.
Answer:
8.54
